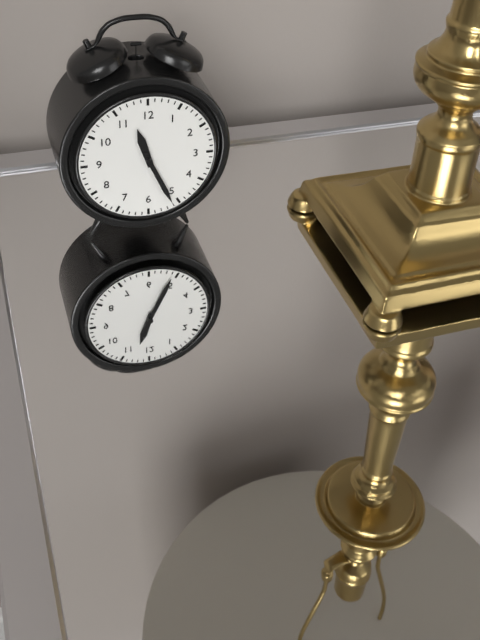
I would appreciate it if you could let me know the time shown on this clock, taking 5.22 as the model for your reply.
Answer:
11.26
